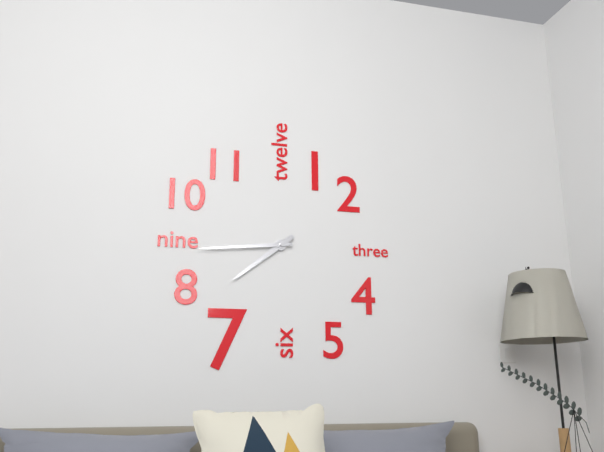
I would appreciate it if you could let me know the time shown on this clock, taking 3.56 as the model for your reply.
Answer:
7.44
